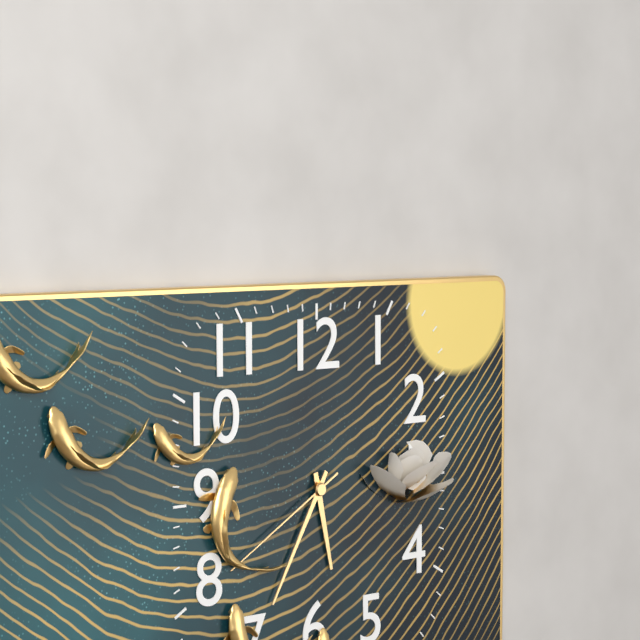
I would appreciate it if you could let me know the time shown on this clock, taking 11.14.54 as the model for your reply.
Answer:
5.35.40
